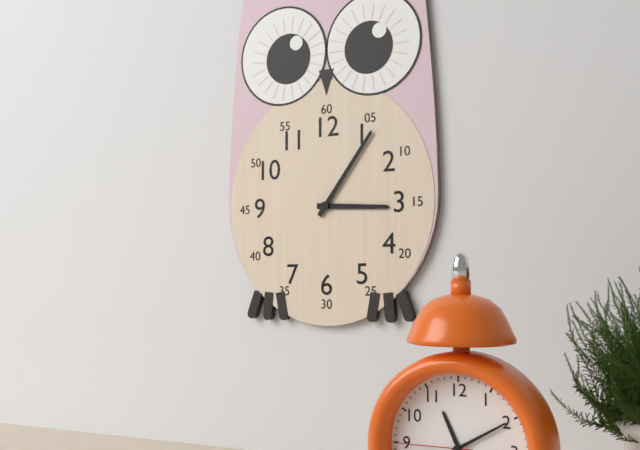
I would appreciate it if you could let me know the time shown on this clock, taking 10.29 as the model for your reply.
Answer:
3.06
